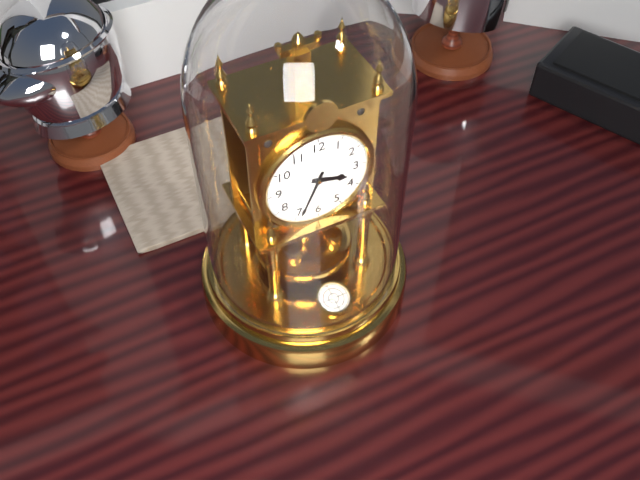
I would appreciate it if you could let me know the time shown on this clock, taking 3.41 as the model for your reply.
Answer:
3.34
